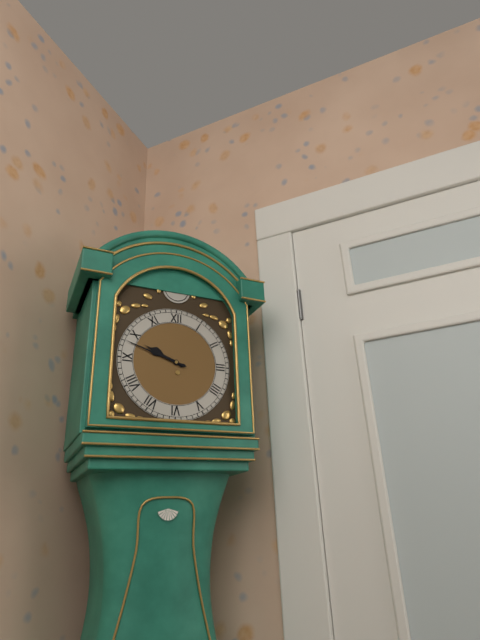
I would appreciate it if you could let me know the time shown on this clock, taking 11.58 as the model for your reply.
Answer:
9.48
